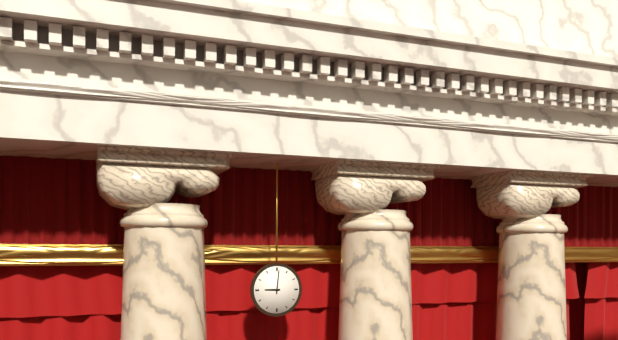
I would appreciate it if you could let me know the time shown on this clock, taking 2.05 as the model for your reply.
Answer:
9.01
